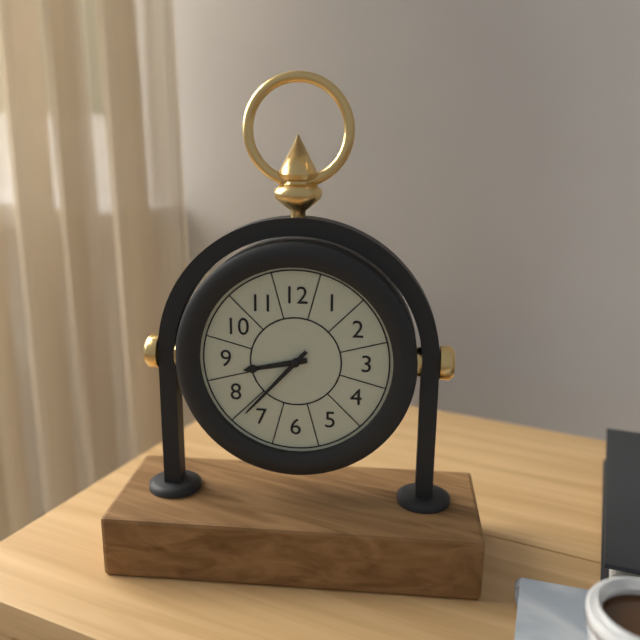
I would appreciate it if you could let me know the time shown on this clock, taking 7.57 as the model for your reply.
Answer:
8.37
